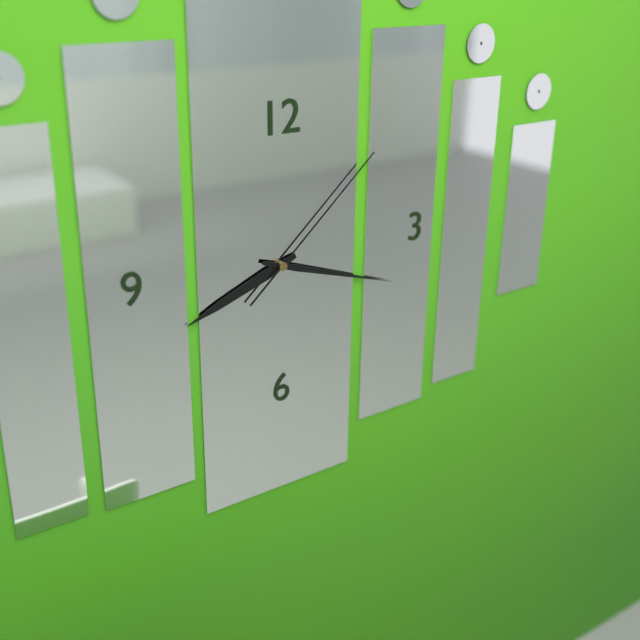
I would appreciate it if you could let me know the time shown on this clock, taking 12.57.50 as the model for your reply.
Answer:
8.18.08
